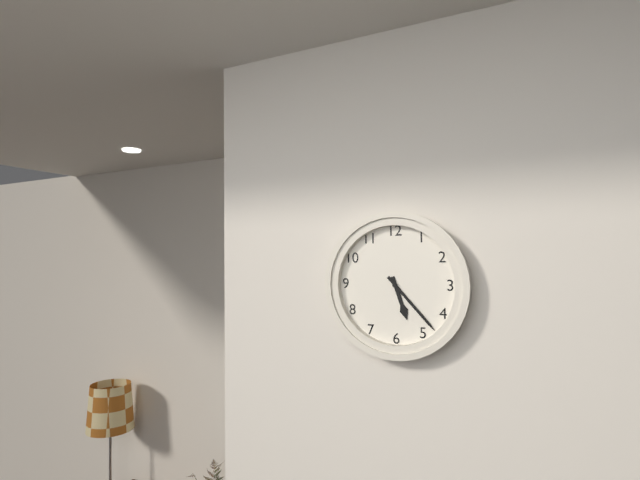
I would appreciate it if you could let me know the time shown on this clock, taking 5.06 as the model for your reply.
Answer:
5.23
